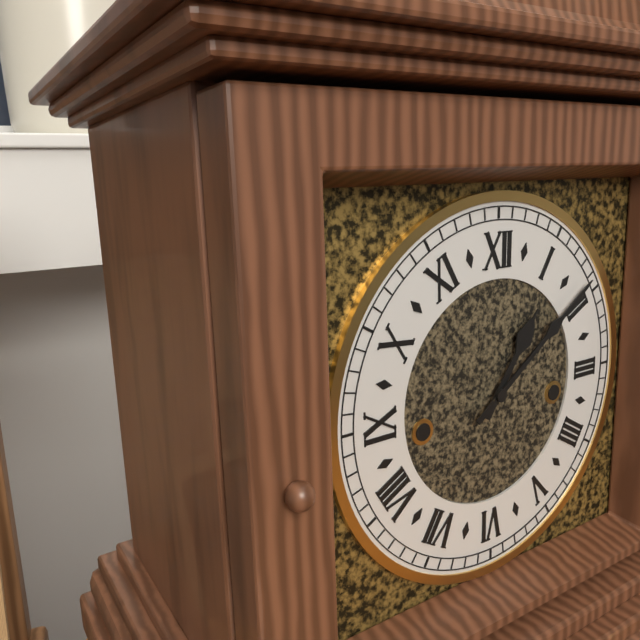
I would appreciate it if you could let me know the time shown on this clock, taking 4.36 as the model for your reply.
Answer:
1.09
